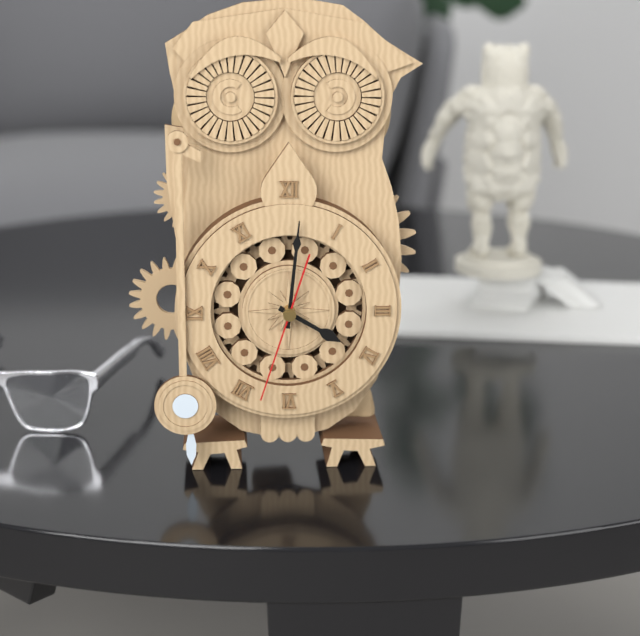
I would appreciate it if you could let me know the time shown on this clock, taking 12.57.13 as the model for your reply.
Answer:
4.01.33
